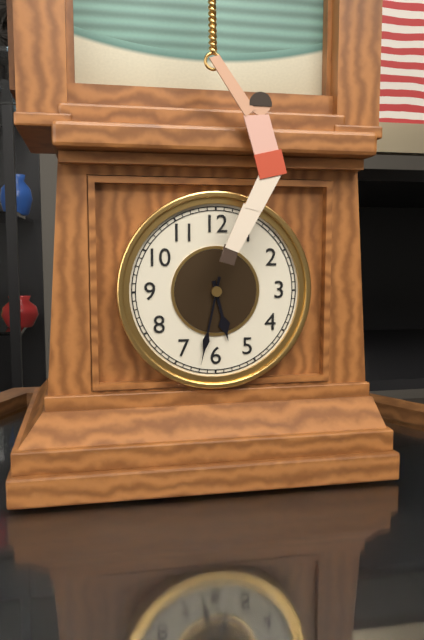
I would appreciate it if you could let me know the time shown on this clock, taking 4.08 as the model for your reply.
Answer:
5.32
